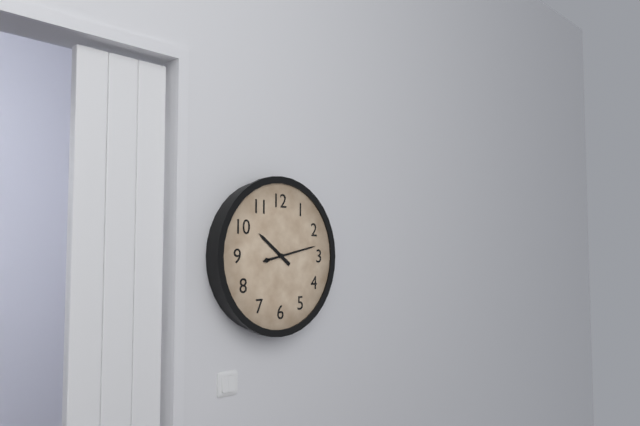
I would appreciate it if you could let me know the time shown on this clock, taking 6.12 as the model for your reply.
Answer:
10.13
